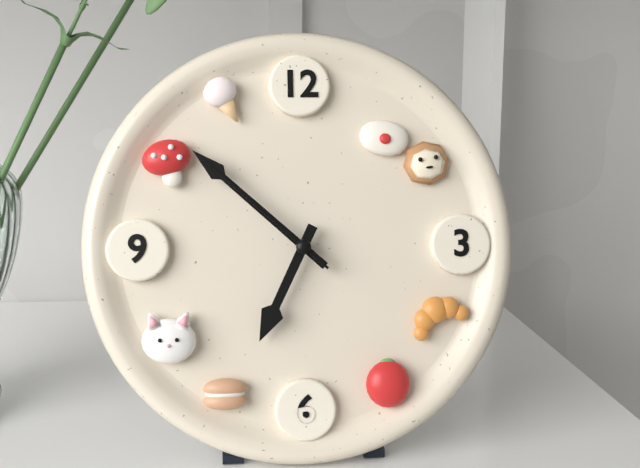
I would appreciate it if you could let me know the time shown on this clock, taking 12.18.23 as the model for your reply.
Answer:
6.52.52
